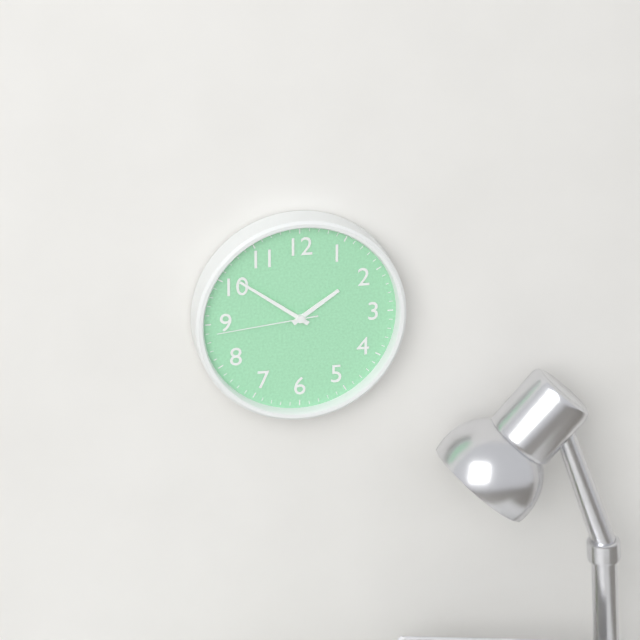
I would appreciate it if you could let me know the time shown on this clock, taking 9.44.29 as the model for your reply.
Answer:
1.51.44
